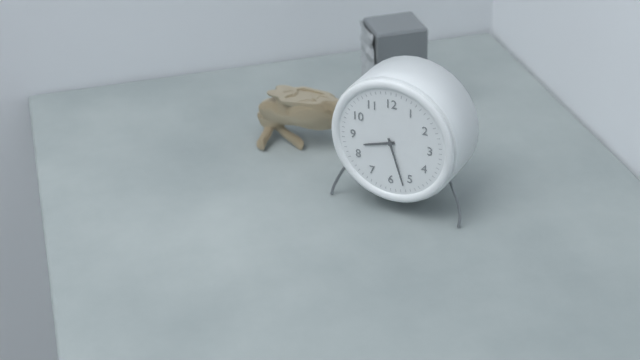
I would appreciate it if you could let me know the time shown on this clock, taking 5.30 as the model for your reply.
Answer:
8.27
